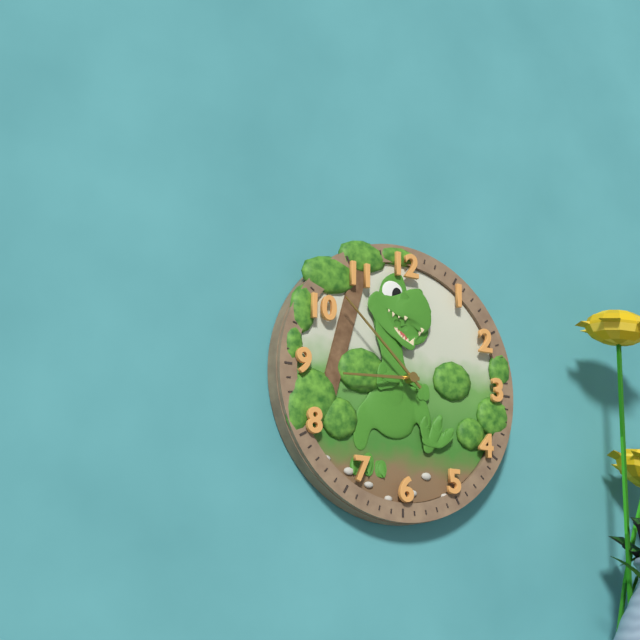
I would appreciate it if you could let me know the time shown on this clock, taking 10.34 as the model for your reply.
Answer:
8.52
